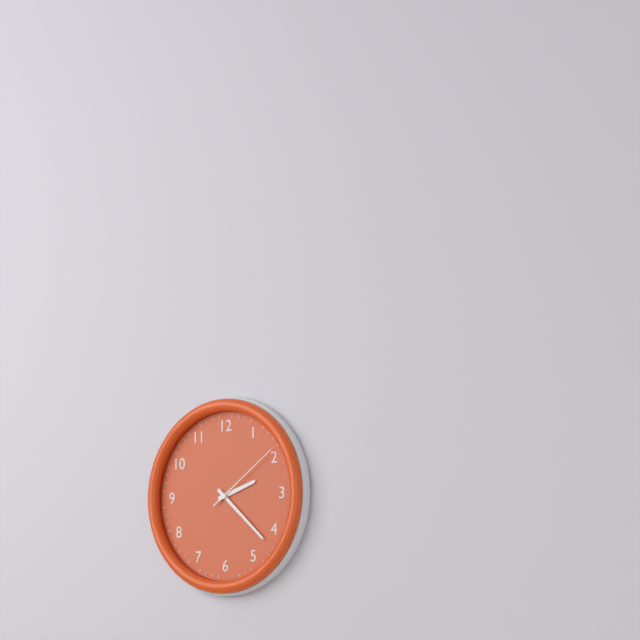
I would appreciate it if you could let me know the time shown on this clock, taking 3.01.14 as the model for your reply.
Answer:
2.22.09
